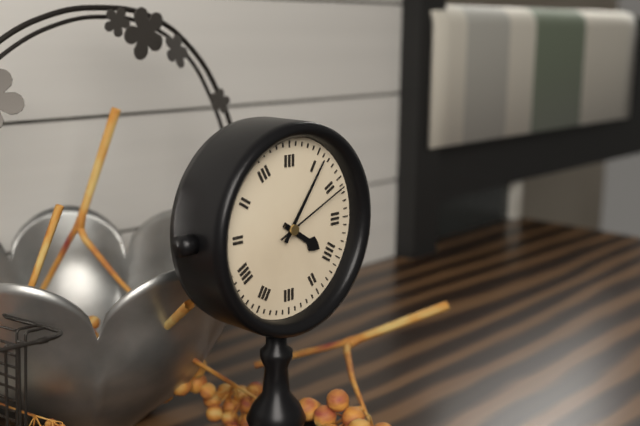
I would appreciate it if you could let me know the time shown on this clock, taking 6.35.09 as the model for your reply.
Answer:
4.06.11
